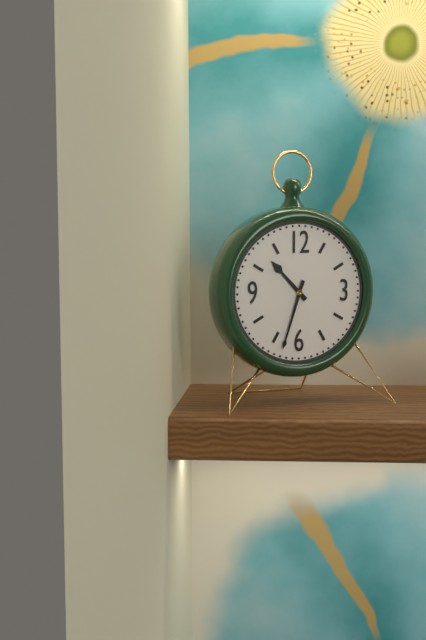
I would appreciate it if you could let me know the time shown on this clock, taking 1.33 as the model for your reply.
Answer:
10.33
